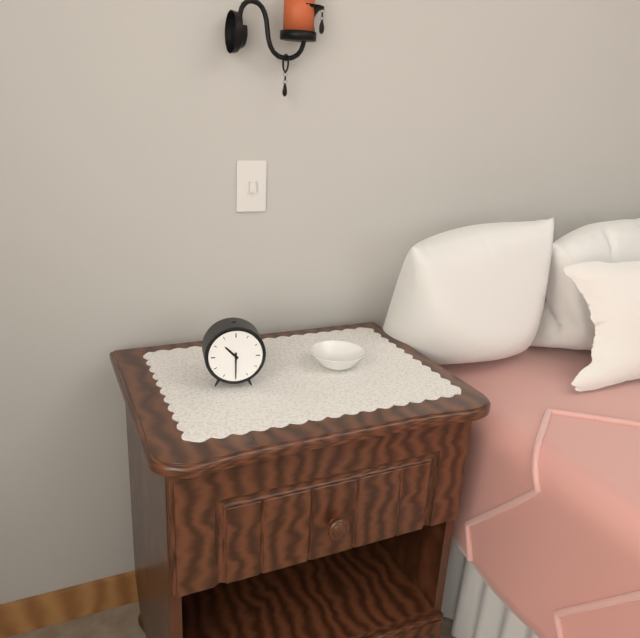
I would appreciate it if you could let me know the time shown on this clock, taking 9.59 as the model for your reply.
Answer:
10.30
